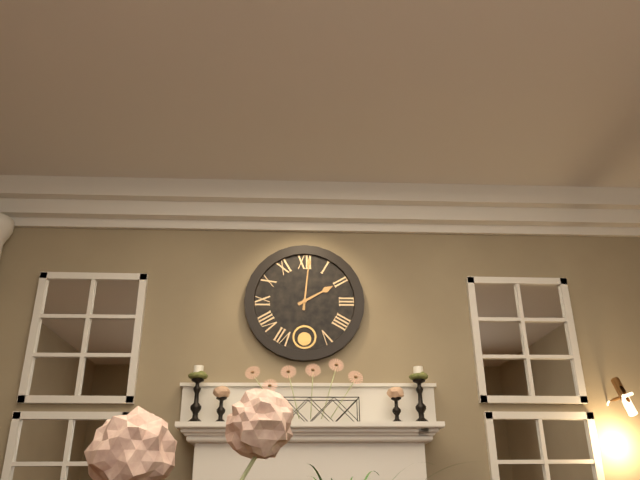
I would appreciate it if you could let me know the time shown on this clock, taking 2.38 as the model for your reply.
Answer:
2.01
